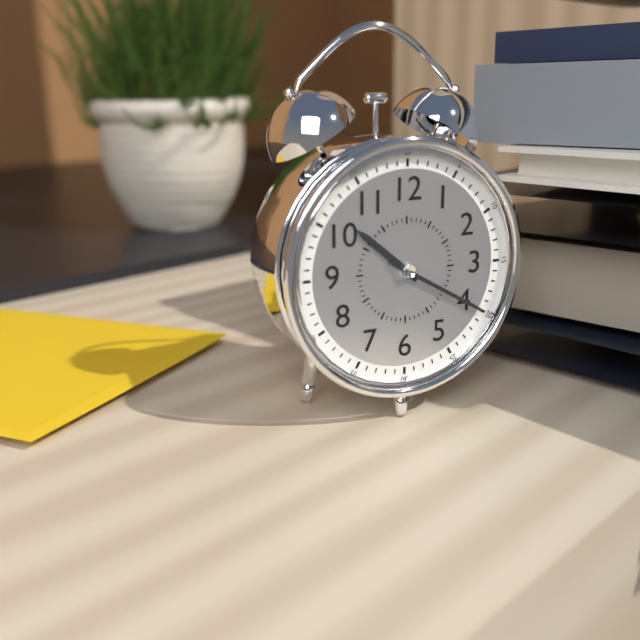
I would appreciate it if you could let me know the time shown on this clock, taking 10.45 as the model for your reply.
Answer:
10.20
